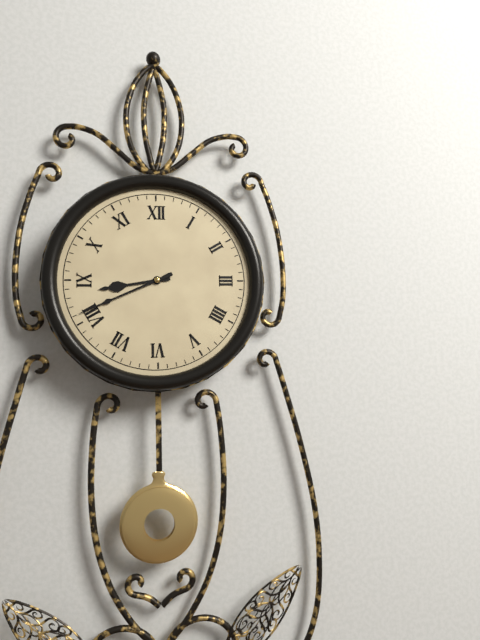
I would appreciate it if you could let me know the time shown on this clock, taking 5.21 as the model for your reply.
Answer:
8.41
